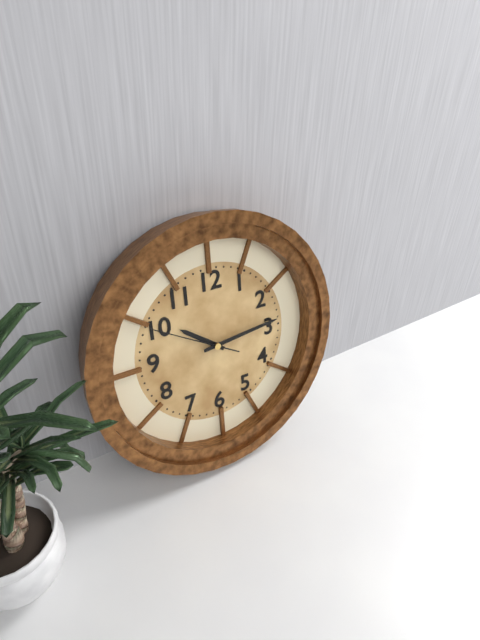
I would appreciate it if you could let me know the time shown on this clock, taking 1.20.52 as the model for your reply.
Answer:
10.14.50
